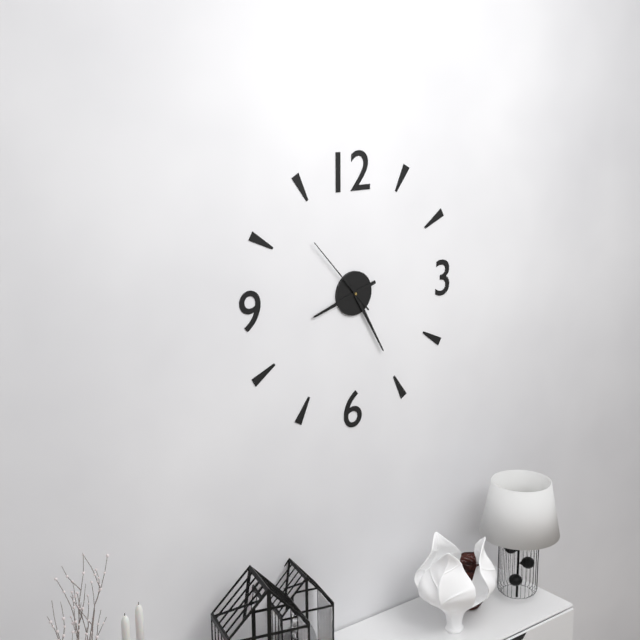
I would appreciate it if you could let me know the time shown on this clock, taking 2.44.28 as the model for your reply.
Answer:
8.25.53
